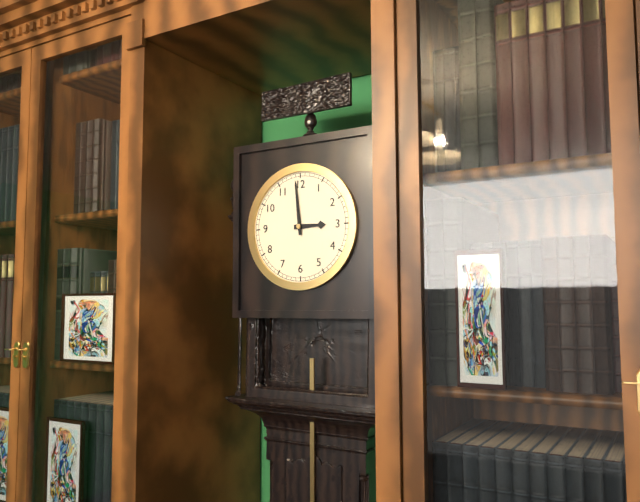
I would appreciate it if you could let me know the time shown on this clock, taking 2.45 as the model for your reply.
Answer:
2.59
